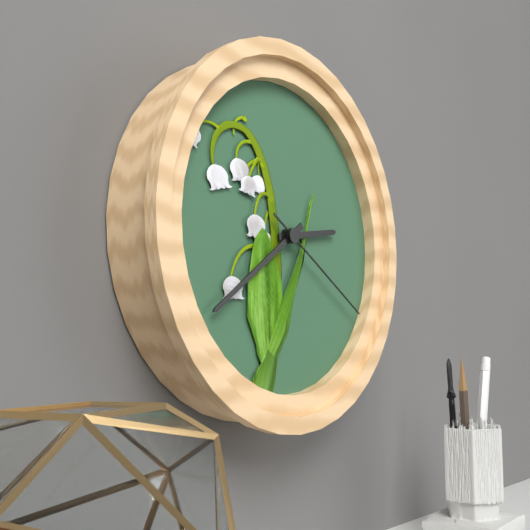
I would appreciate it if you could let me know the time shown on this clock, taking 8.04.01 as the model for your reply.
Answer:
2.39.20
